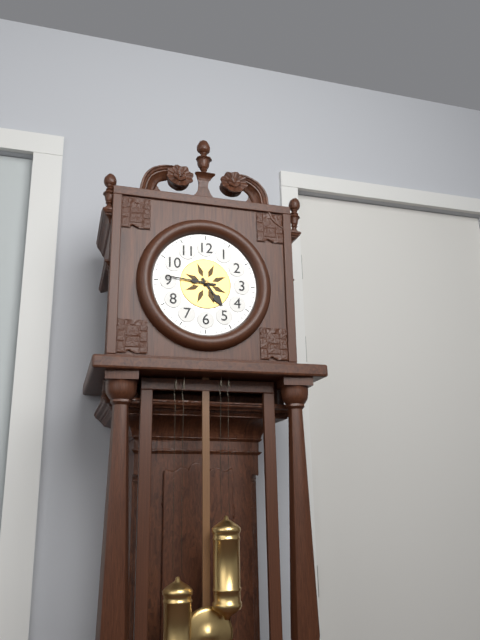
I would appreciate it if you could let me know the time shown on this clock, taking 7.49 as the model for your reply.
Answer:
4.46
